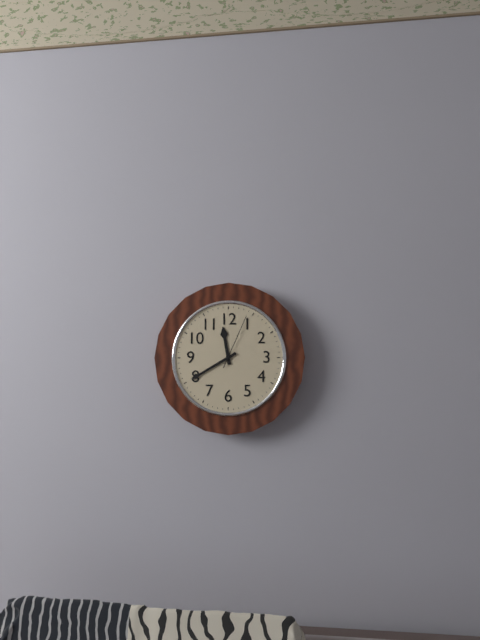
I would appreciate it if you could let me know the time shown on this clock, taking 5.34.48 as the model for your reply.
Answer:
11.40.04
